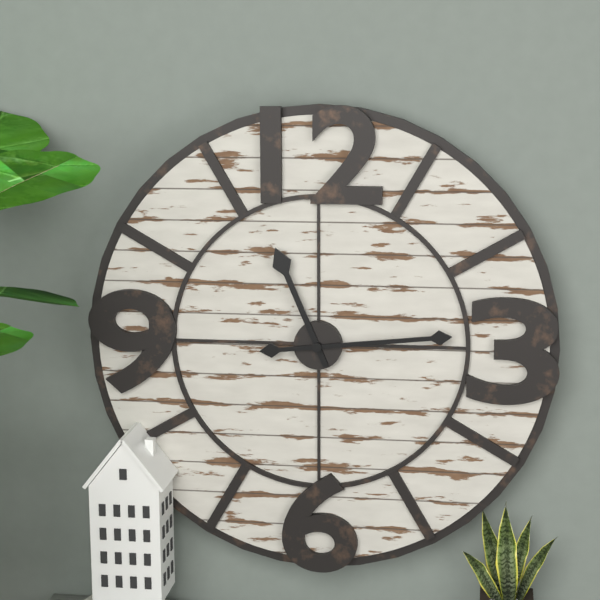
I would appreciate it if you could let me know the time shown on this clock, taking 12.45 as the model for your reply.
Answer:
11.14
